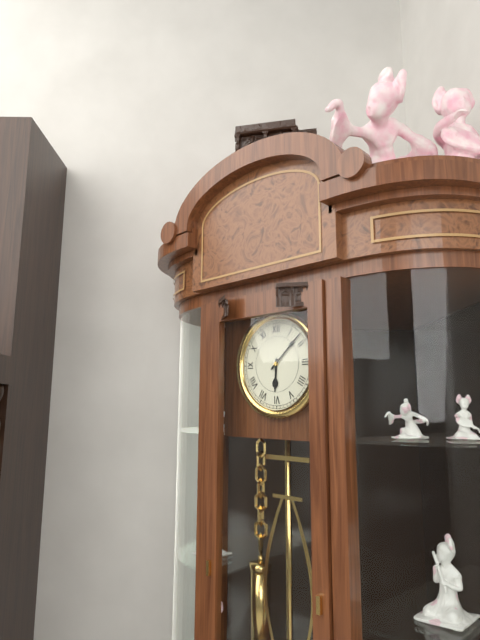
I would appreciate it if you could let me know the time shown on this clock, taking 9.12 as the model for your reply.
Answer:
6.08
